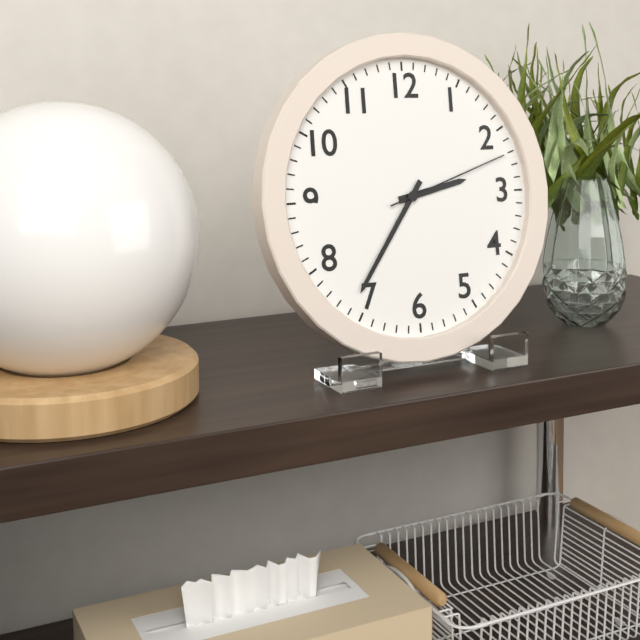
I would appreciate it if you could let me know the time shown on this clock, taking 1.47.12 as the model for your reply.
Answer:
2.36.12
